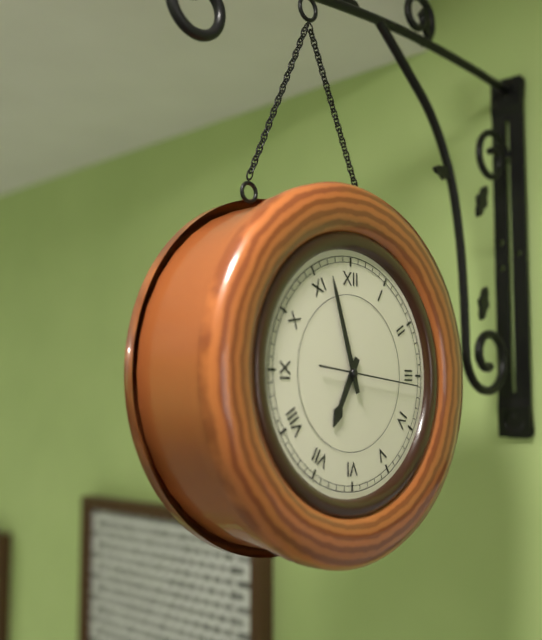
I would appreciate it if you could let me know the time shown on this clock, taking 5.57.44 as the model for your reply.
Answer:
6.57.16
